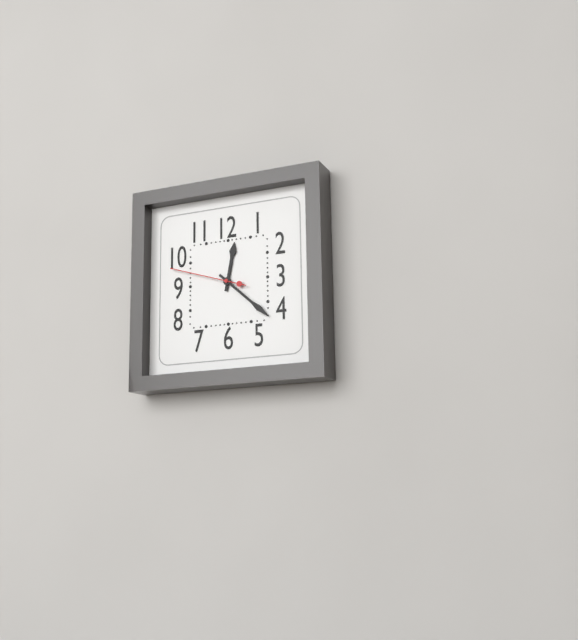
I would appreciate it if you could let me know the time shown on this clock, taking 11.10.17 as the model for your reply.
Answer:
12.22.48
